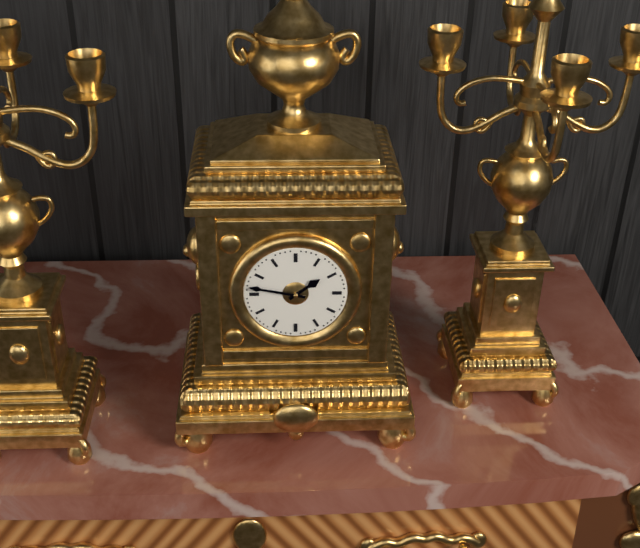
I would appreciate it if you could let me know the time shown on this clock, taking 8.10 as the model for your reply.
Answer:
1.47
